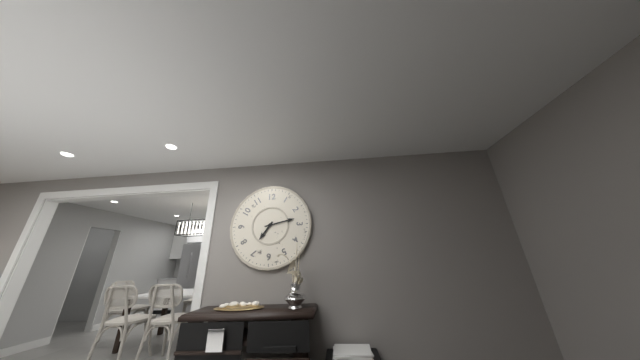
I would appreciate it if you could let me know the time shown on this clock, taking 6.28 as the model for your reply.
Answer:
7.13
